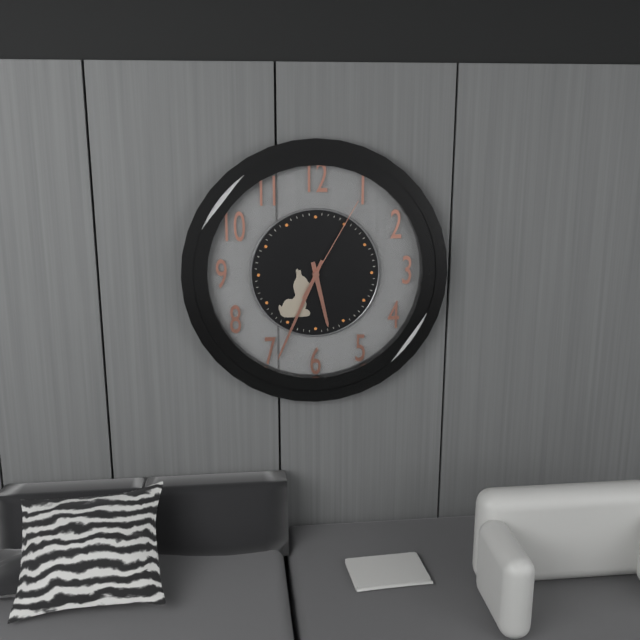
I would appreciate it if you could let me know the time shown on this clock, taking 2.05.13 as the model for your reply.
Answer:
5.34.05
